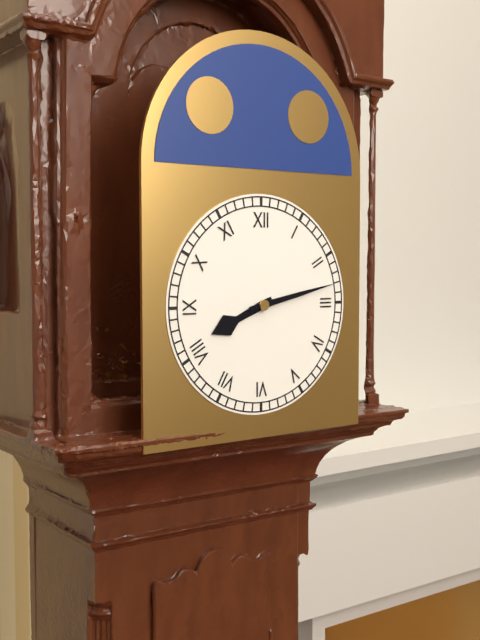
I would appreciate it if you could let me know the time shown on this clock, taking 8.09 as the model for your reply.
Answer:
8.13
